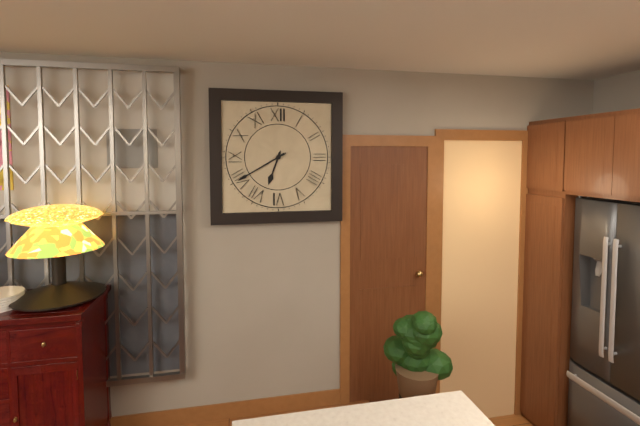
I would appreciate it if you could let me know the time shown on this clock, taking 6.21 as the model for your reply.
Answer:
6.40
